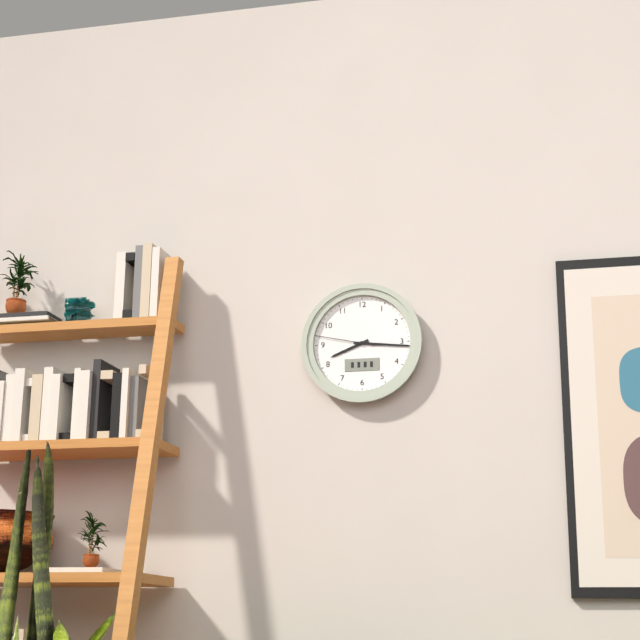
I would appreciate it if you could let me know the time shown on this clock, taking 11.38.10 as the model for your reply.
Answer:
8.16.47
